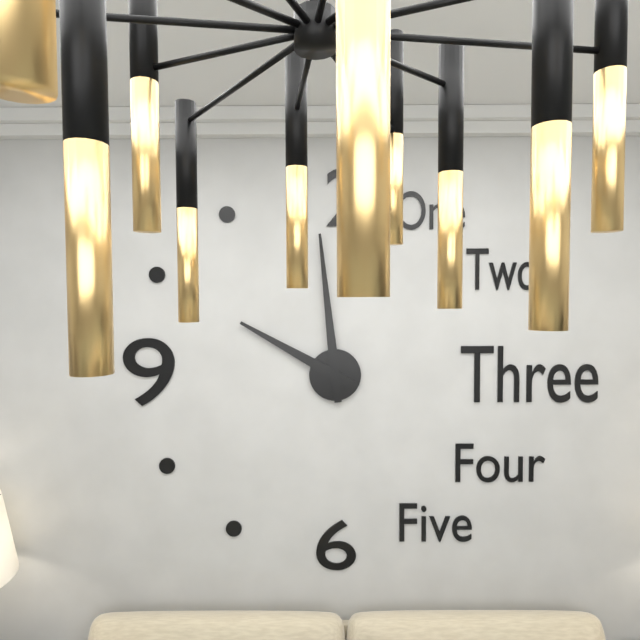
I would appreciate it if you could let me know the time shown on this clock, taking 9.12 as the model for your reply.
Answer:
9.59
